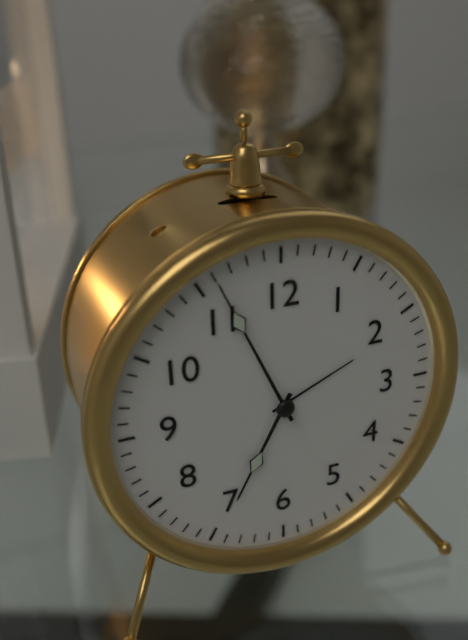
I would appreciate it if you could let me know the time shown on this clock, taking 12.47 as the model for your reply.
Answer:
6.56
